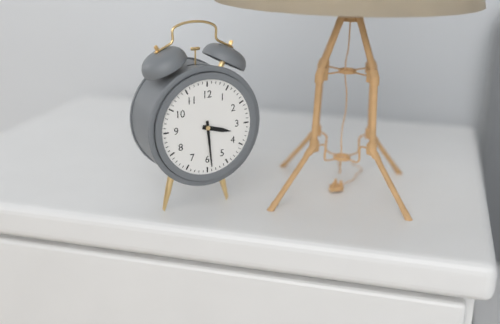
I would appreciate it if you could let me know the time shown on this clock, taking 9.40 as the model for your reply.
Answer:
3.29
